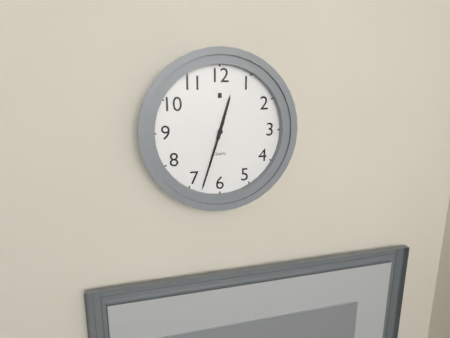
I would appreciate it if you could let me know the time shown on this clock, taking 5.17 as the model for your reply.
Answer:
12.33
